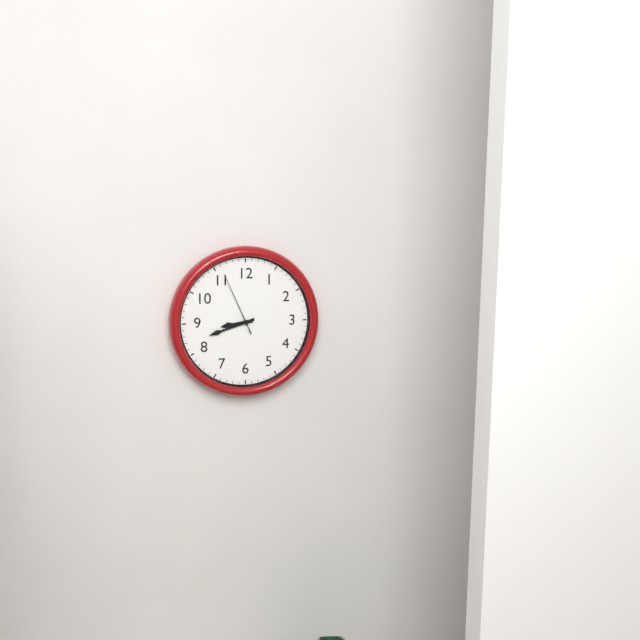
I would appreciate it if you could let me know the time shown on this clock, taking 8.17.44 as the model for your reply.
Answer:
8.42.56
